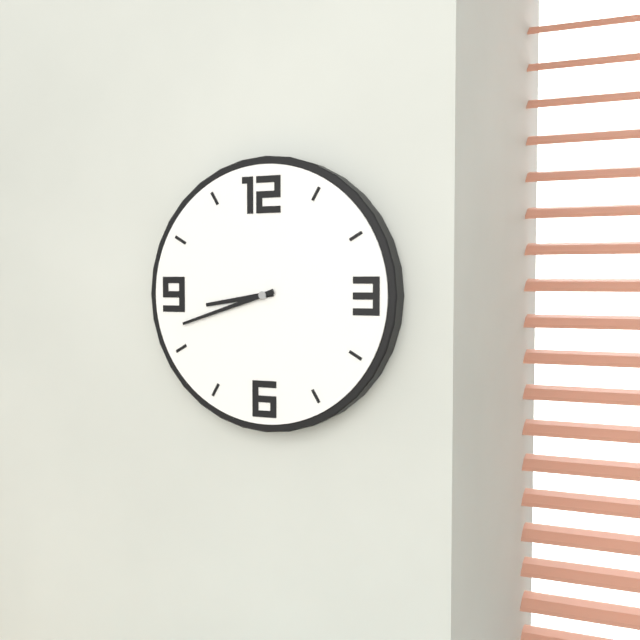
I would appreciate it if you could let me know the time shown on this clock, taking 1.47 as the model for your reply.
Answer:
8.42
